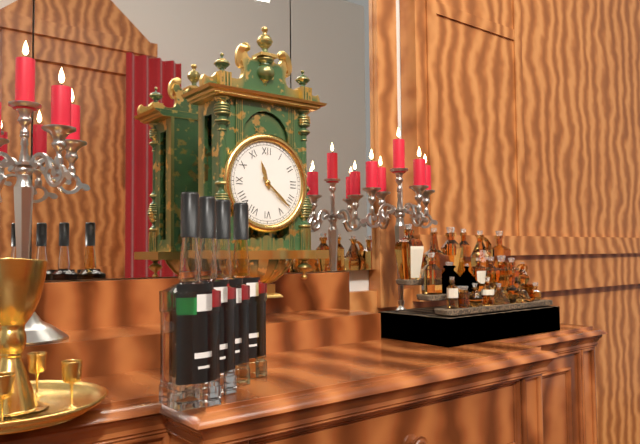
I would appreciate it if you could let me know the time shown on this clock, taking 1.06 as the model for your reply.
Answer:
11.22
